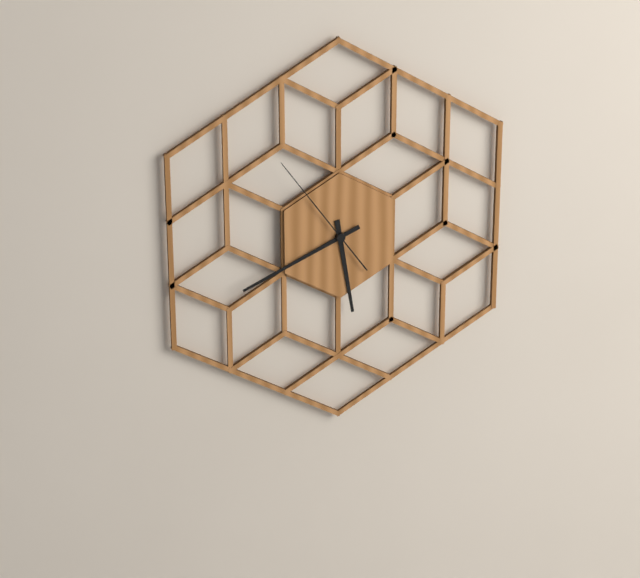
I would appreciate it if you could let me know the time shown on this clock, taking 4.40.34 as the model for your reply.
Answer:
5.41.54
